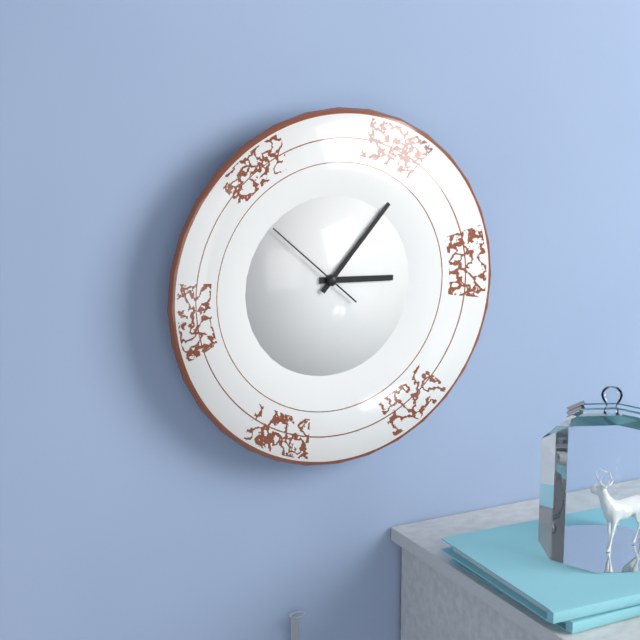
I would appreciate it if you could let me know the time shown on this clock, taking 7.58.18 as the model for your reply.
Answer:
3.07.52
